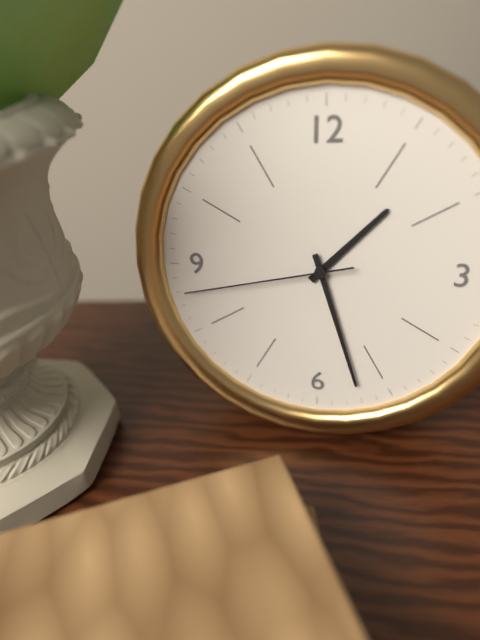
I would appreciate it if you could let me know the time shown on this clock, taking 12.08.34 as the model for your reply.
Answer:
1.27.43
